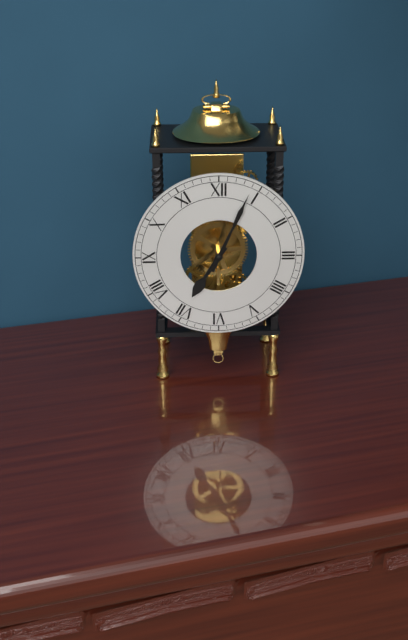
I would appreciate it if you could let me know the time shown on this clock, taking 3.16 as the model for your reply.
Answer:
7.04
